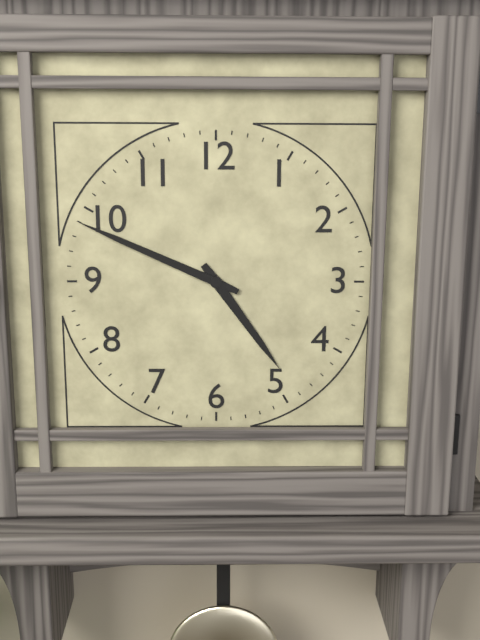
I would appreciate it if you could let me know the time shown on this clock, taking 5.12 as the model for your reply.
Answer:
4.49
